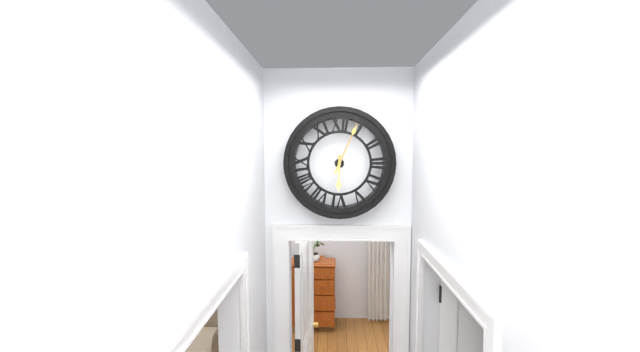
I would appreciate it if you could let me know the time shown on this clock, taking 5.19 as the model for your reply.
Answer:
6.04
